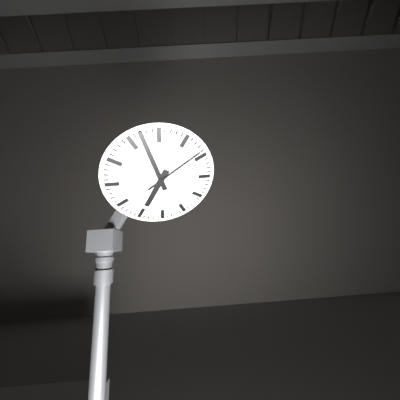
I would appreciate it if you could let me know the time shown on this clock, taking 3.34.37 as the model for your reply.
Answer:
6.57.09
